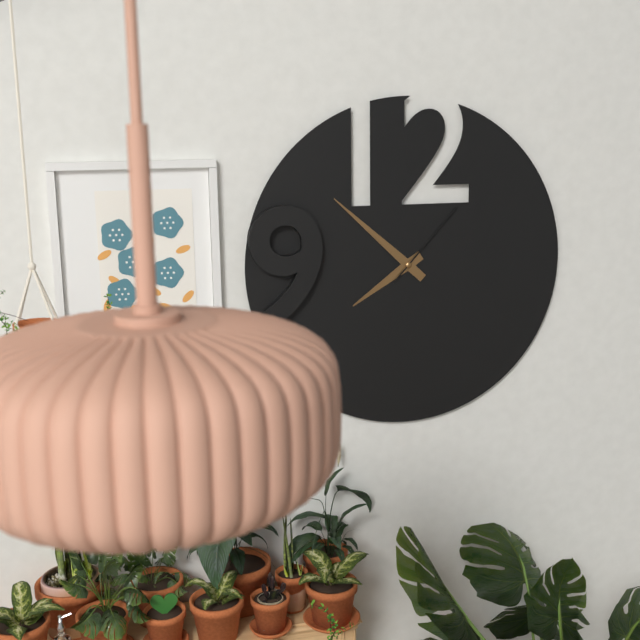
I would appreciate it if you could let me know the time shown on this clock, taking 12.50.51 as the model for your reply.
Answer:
7.52.07
